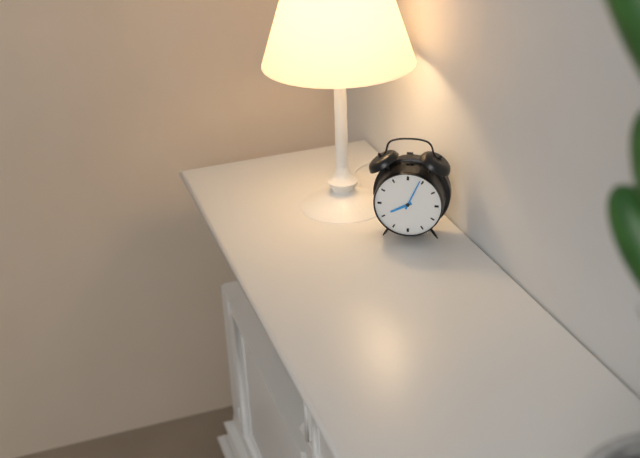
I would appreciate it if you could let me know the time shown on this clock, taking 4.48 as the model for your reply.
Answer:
8.04
